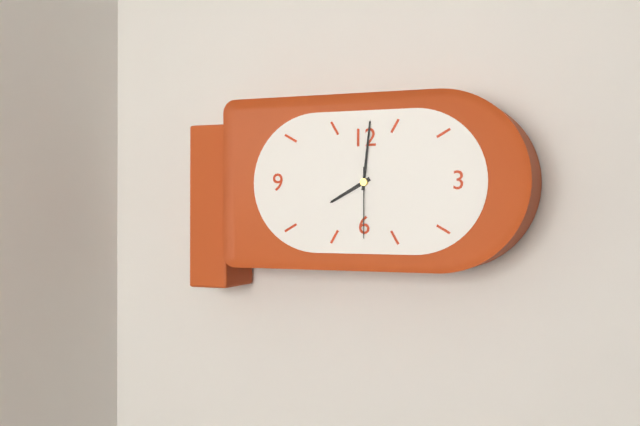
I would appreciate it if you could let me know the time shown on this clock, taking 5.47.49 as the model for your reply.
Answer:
8.01.30
